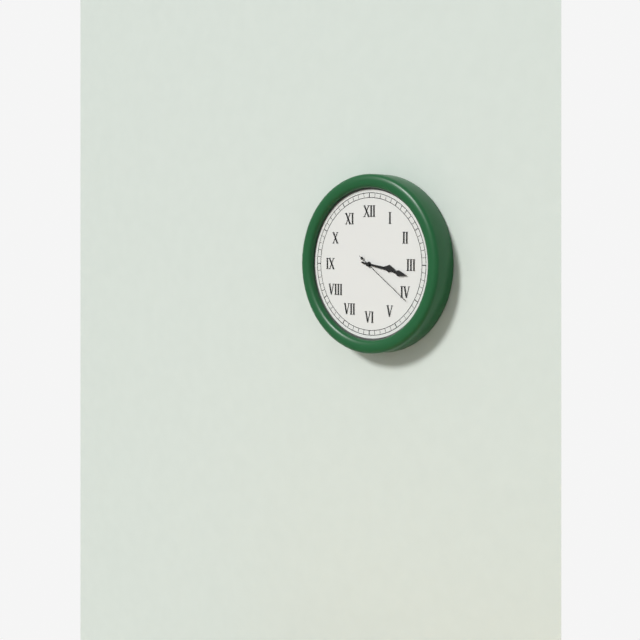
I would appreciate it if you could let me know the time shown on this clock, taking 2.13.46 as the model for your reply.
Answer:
3.17.21
